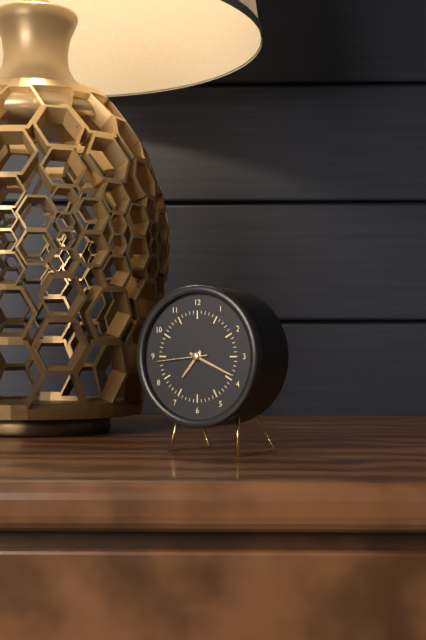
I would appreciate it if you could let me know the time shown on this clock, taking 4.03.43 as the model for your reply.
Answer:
7.19.44
